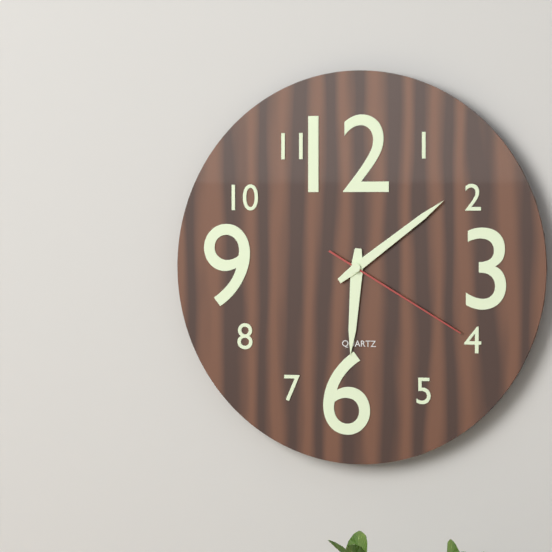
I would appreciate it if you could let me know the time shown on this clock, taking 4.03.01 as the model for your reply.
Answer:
6.09.20
